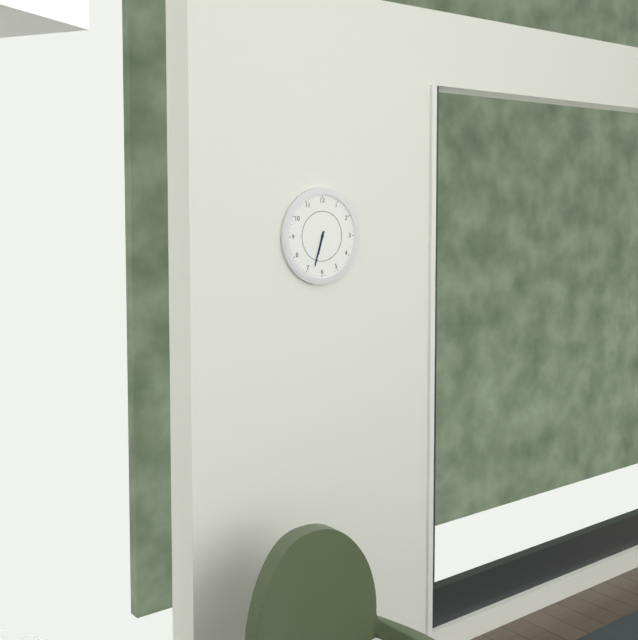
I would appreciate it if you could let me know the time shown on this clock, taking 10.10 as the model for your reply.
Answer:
6.33
